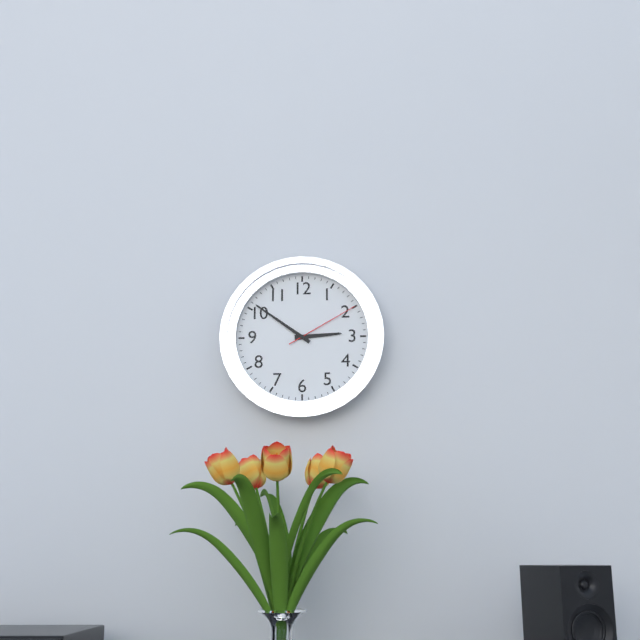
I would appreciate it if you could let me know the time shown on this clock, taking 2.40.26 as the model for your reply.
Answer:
2.51.10
